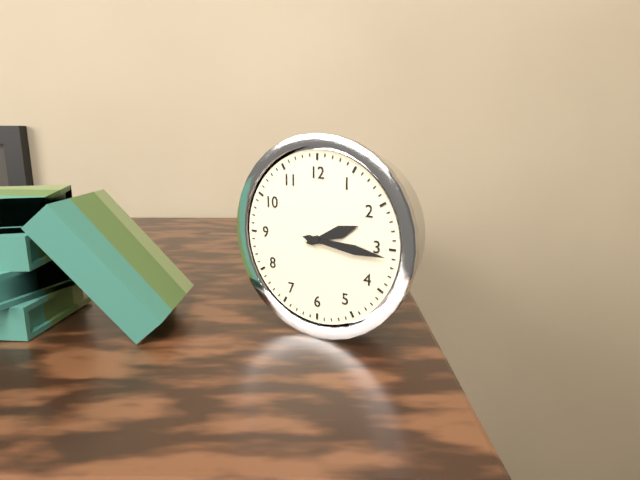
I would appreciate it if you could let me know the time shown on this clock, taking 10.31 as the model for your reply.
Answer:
2.16
